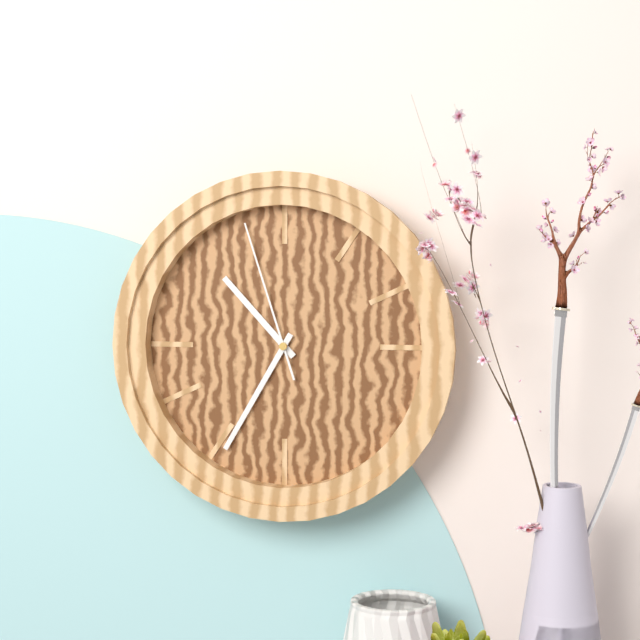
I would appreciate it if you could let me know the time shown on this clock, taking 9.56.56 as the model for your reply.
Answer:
10.35.57
